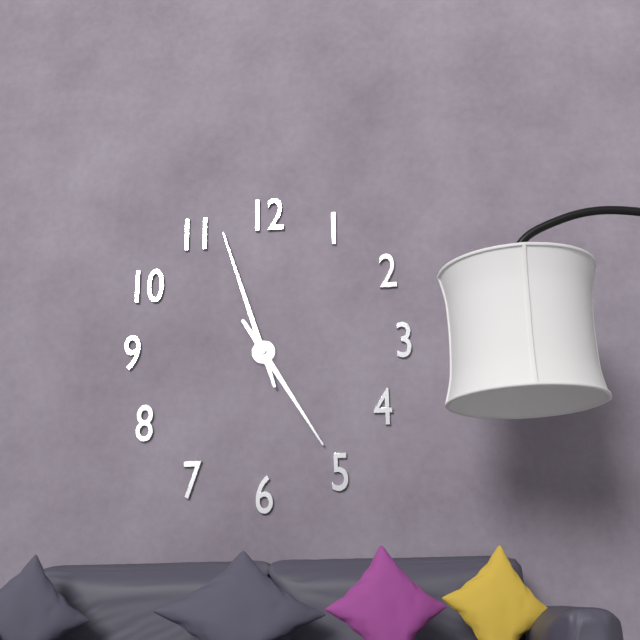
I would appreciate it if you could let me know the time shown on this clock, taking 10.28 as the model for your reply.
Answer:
4.57
